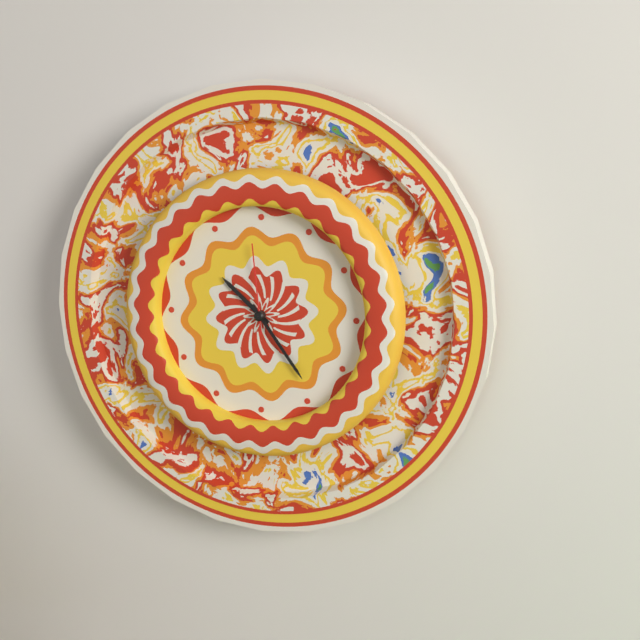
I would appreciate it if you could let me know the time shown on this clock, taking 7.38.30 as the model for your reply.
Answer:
10.24.59
